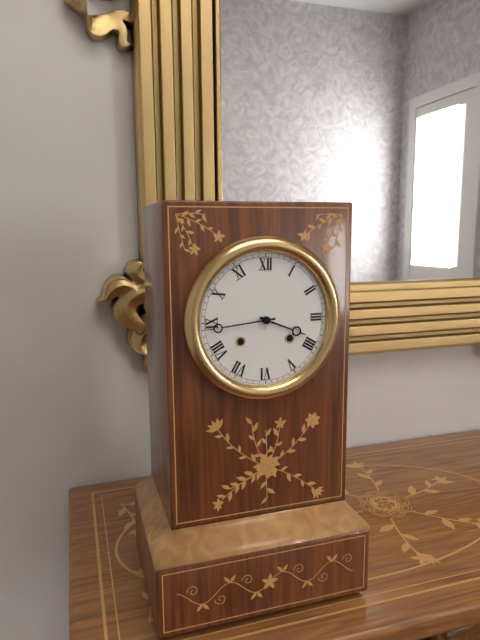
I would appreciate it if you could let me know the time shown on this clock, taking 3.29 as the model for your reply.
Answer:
3.44
